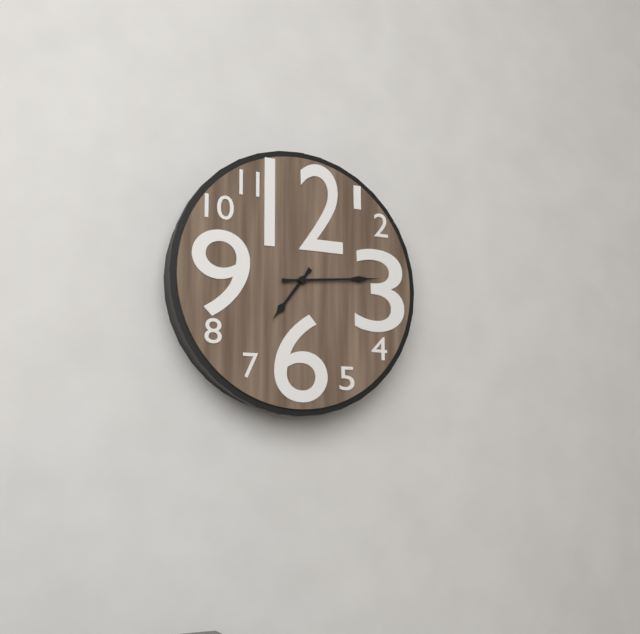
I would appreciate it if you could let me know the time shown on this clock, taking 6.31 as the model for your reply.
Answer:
7.14
